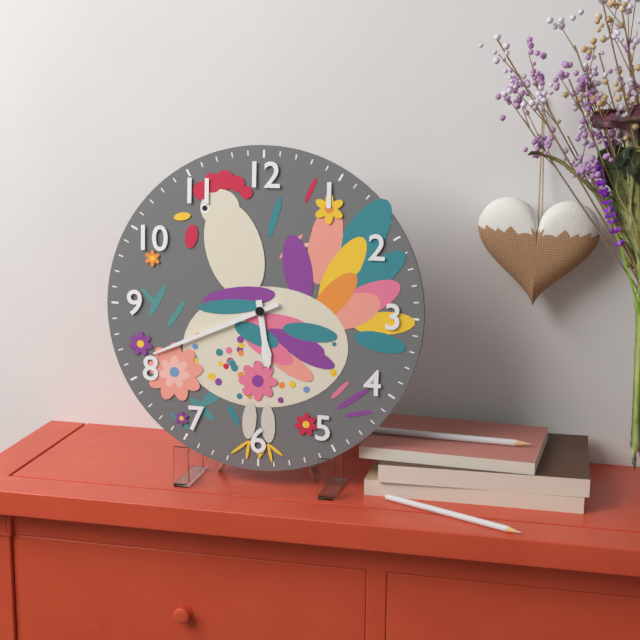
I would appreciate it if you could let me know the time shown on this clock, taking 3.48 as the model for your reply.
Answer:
5.41
